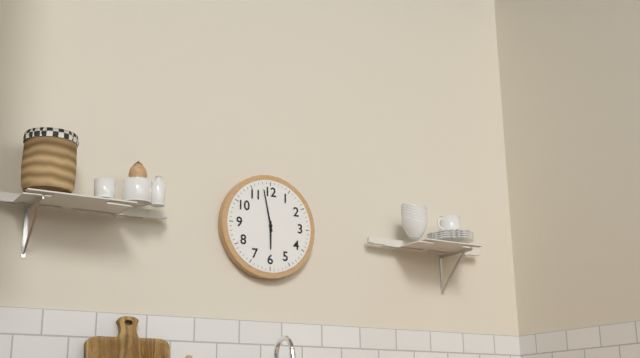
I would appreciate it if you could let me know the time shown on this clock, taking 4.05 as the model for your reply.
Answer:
5.58
